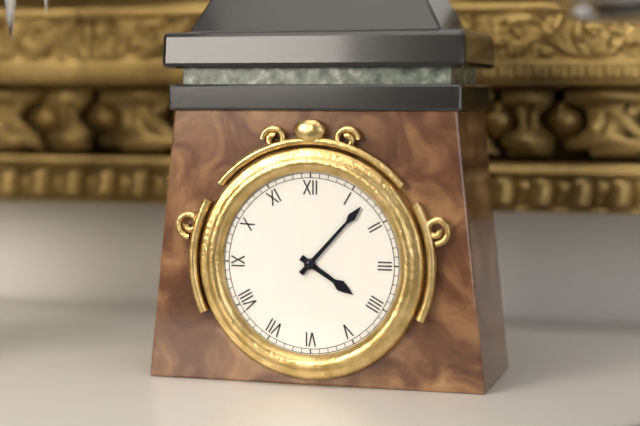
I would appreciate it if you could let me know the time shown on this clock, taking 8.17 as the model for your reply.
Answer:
4.07
